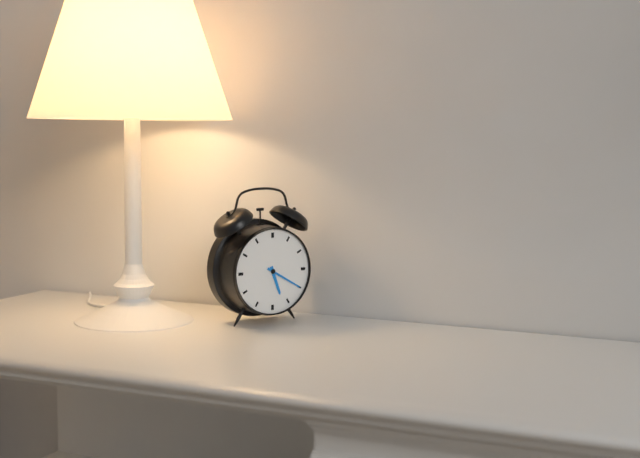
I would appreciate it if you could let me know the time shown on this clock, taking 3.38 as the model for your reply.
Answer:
5.20
